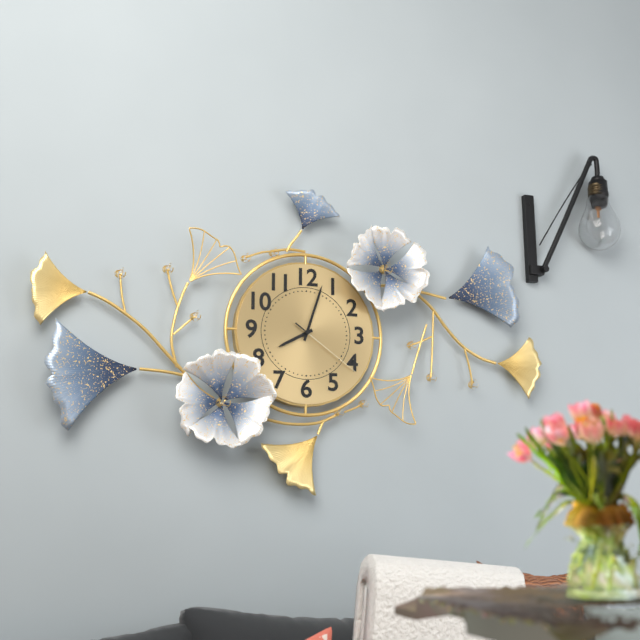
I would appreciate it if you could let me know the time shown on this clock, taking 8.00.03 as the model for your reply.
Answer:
8.03.21
